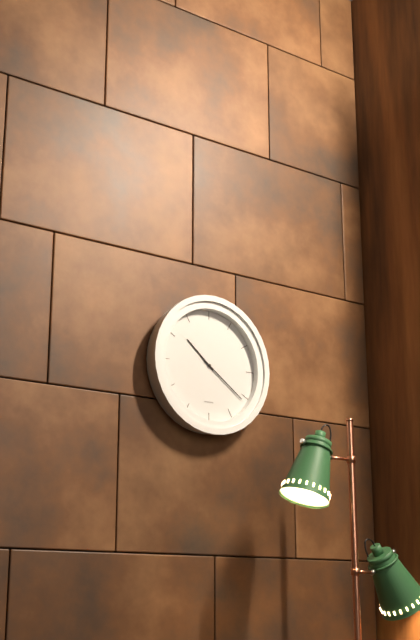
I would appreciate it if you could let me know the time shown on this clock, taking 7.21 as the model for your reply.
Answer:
10.21
